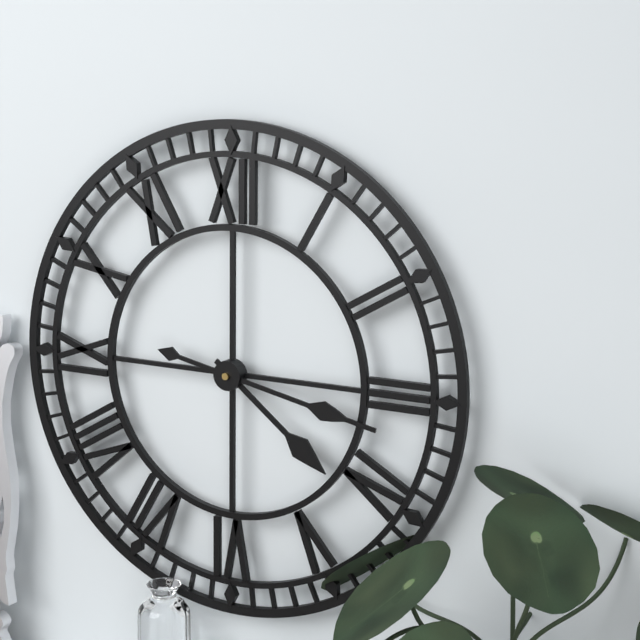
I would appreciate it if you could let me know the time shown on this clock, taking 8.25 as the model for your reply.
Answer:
4.17
